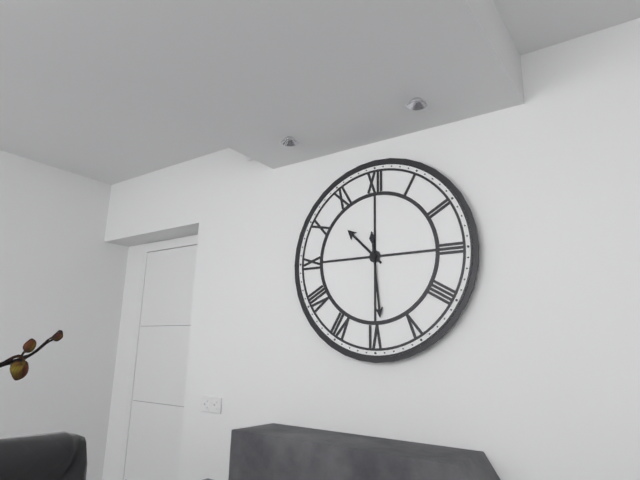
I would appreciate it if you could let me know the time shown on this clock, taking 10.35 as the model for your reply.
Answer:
10.29
